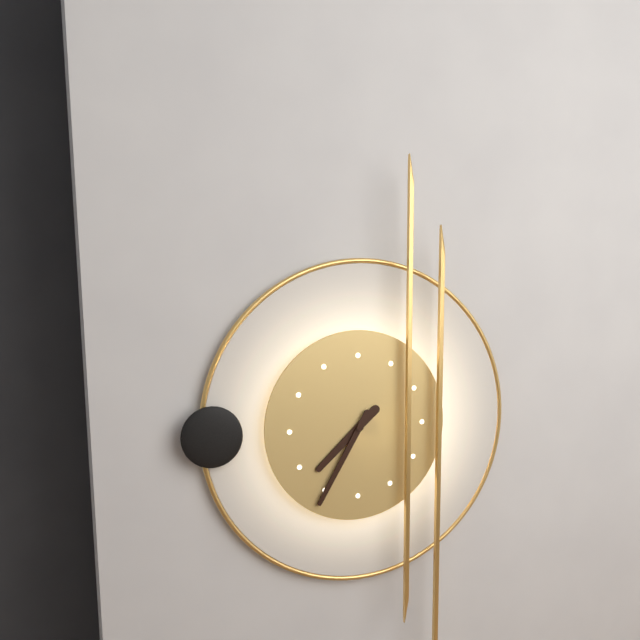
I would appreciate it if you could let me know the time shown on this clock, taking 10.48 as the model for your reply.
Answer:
7.35
